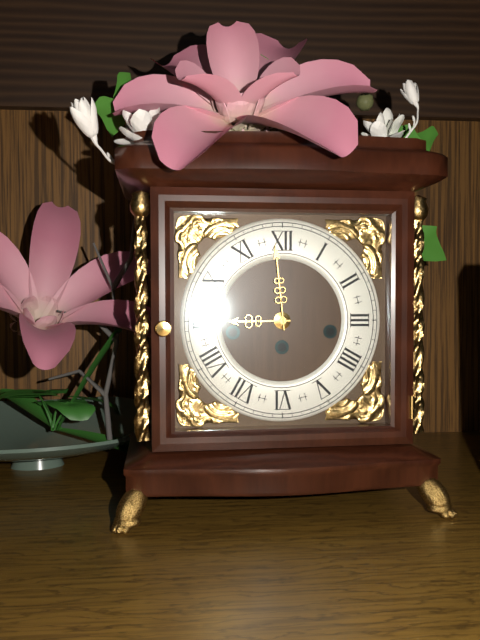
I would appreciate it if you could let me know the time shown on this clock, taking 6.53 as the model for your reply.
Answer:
8.59
